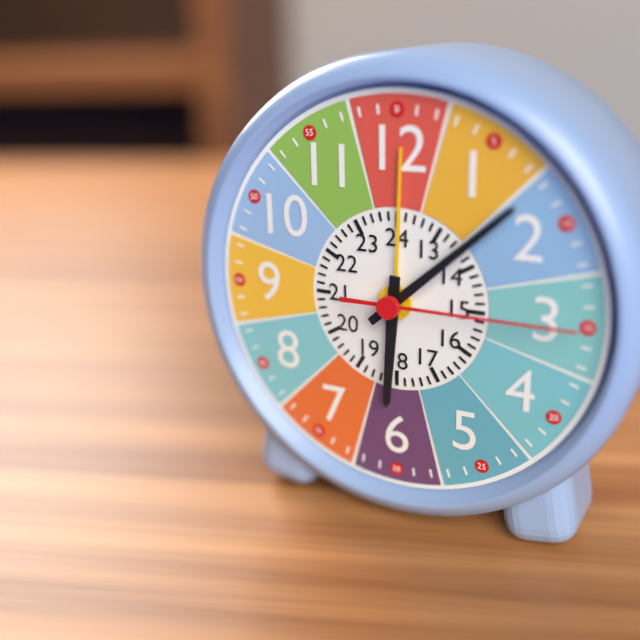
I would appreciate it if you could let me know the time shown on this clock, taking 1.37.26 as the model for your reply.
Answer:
6.08.15
